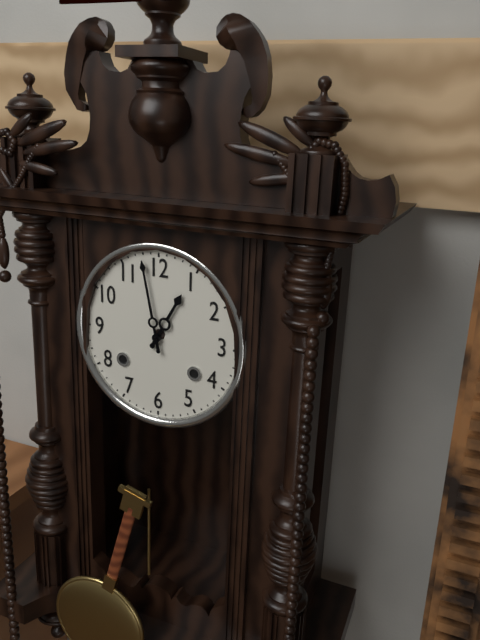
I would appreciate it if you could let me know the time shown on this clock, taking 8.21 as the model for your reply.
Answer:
12.58
